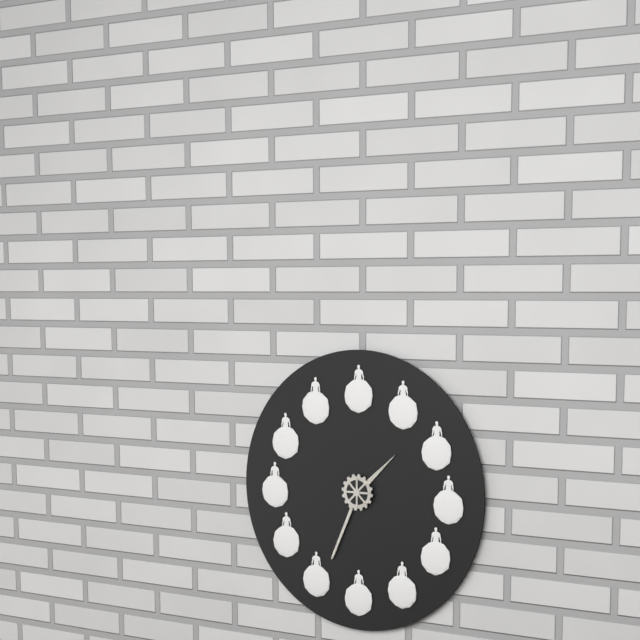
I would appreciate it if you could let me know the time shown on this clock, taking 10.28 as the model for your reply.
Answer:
1.34
